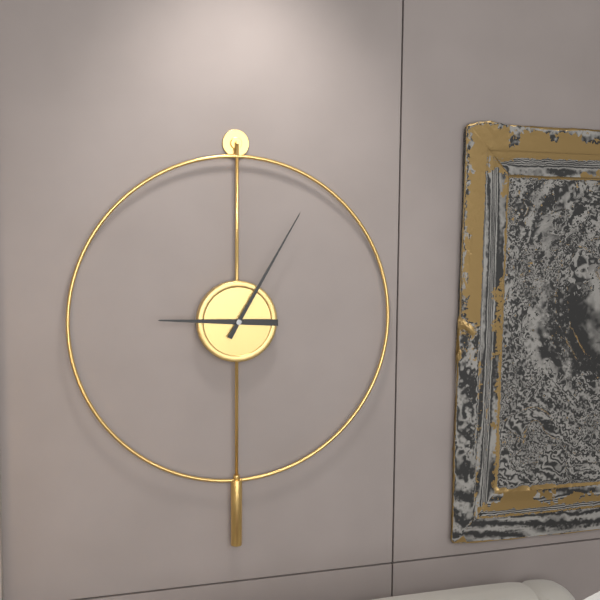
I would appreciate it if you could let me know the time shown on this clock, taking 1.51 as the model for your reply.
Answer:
9.05
